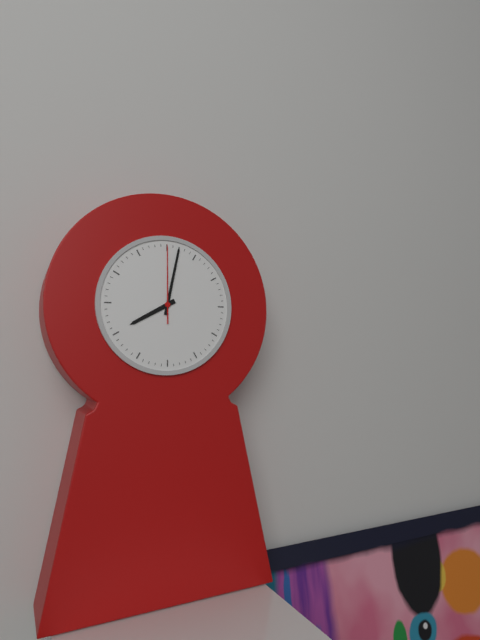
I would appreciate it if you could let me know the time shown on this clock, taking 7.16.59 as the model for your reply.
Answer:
8.02.00
